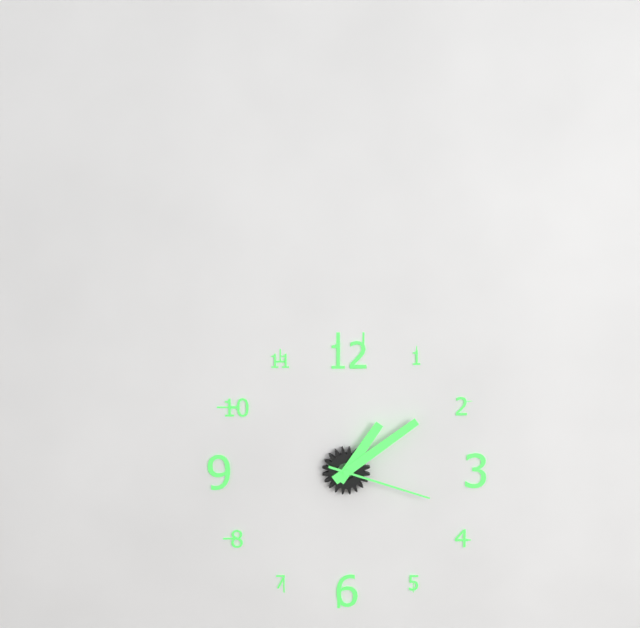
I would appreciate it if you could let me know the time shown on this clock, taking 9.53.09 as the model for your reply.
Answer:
1.09.18
